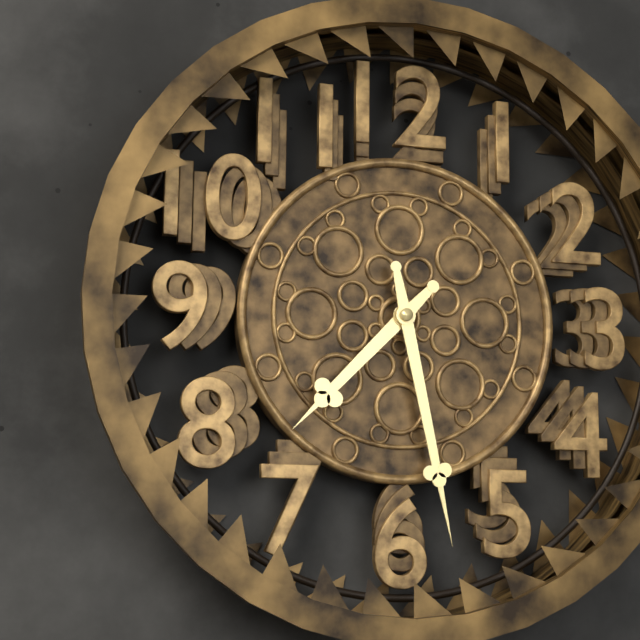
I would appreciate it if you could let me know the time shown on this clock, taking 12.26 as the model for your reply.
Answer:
7.28
